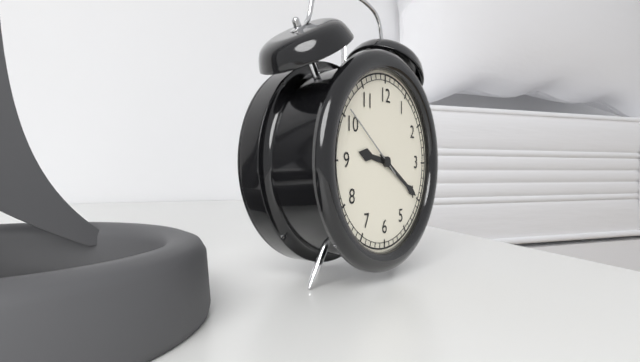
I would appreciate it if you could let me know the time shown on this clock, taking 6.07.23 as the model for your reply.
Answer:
9.20.51
